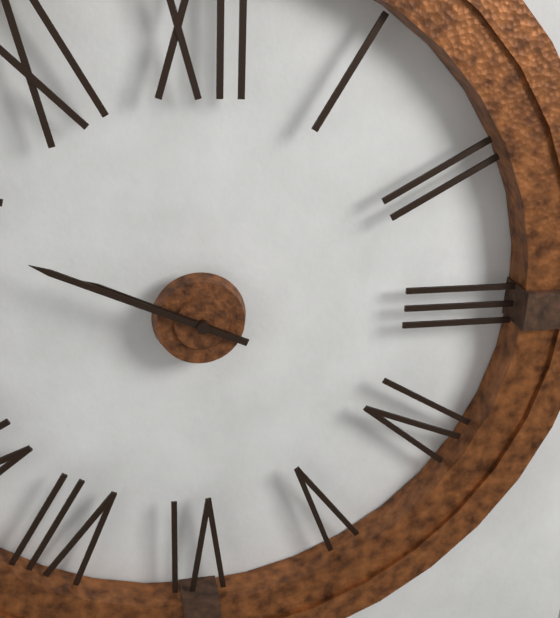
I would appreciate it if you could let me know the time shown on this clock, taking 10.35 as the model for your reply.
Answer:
9.49
